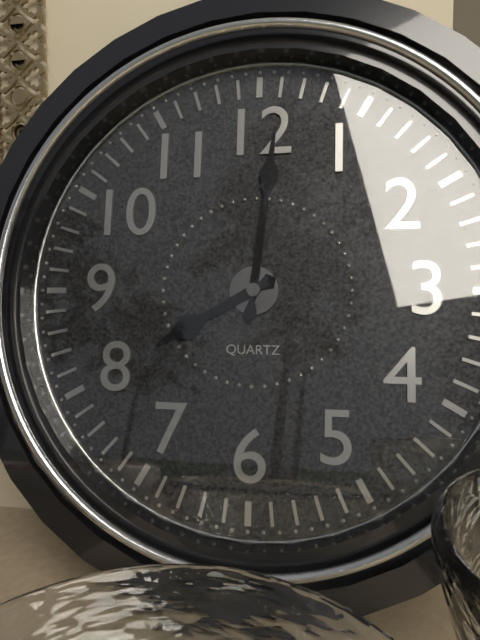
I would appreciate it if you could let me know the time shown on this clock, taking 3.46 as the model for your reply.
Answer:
8.01
